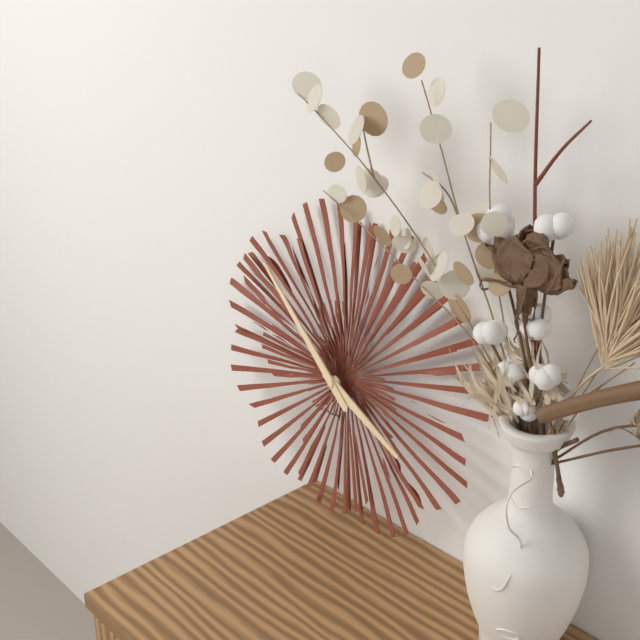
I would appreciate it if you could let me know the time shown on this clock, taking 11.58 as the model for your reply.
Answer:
3.52
